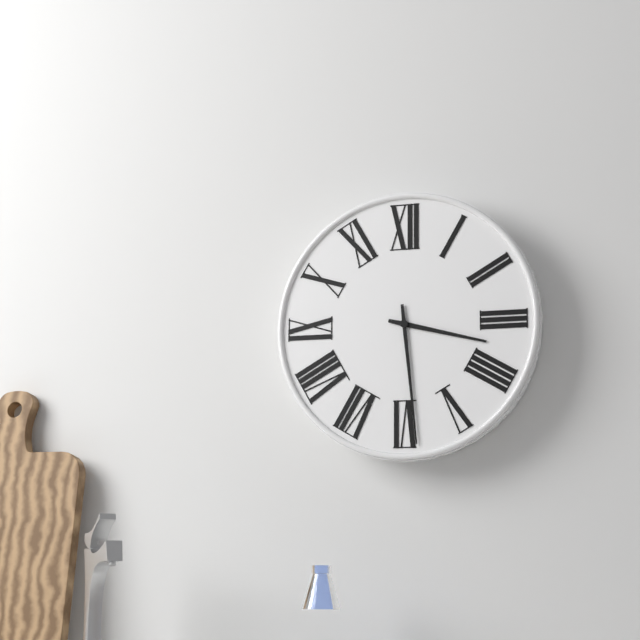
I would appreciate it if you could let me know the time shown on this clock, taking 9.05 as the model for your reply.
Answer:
3.29
